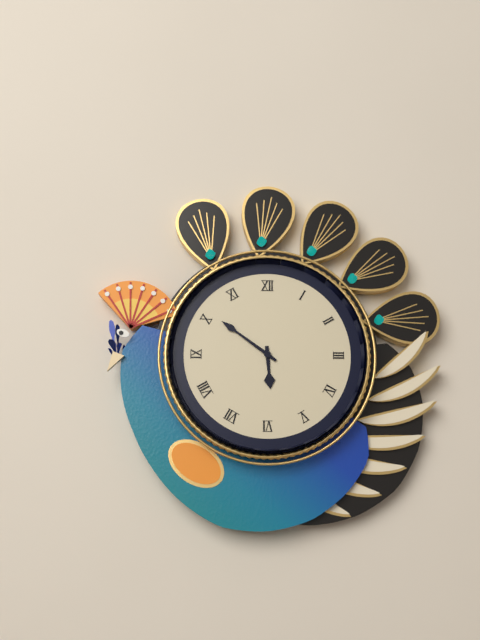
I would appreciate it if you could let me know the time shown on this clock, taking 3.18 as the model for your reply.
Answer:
5.51
